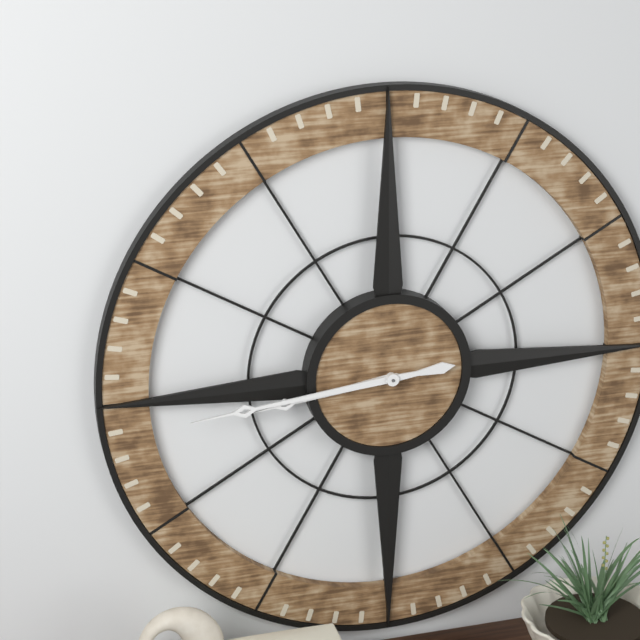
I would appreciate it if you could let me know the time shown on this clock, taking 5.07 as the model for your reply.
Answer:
8.44
